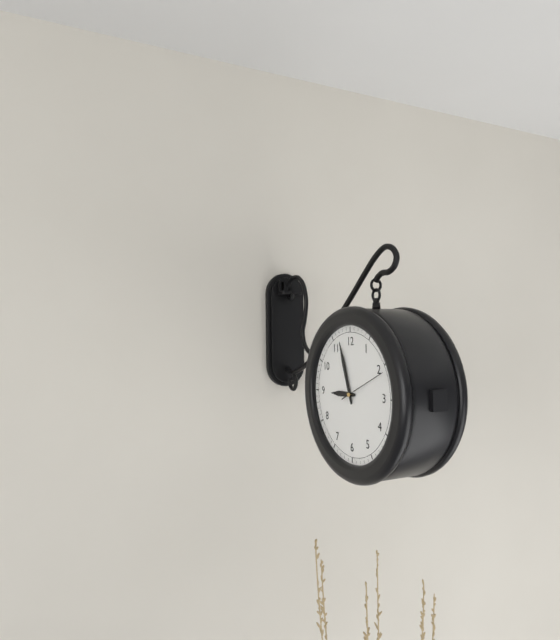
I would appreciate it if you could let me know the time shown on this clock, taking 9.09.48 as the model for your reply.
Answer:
8.57.11
